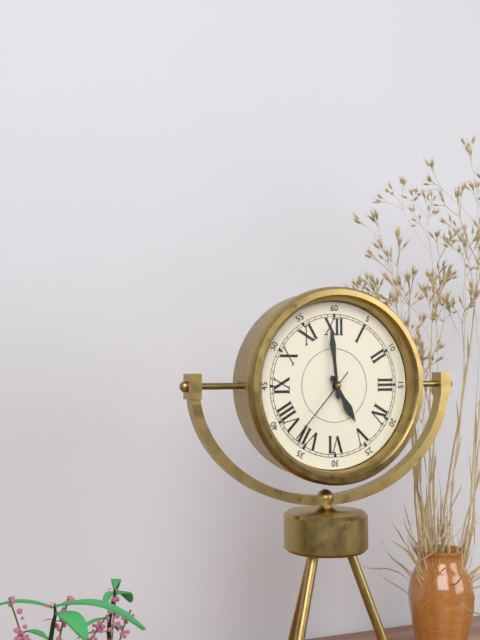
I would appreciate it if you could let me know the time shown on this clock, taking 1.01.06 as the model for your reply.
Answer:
4.59.37
